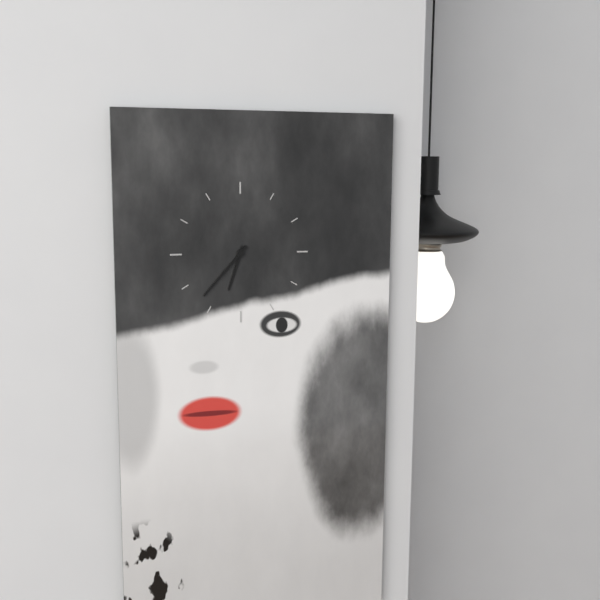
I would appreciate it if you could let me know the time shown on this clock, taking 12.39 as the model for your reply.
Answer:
6.37
